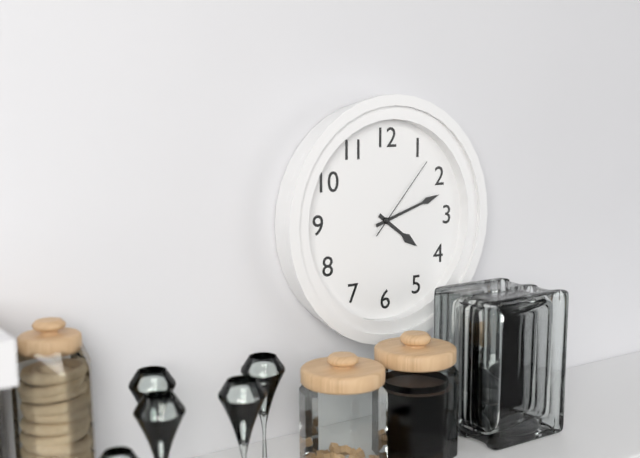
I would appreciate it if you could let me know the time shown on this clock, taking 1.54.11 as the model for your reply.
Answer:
4.12.07
